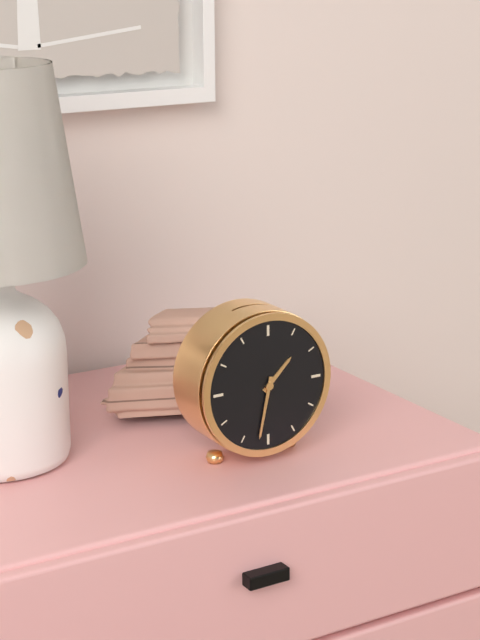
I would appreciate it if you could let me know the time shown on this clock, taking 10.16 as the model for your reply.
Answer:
1.32
